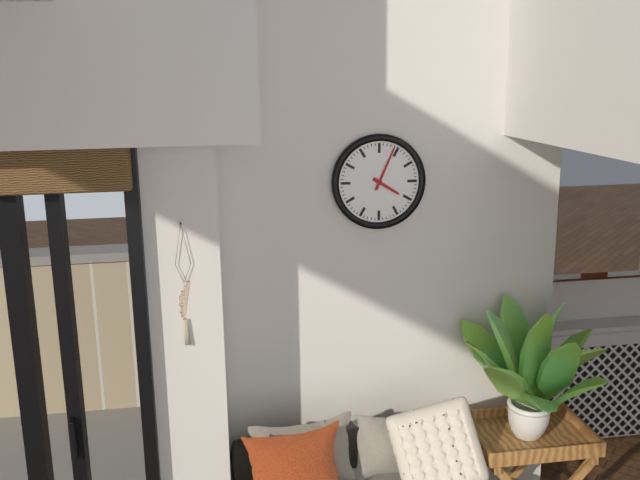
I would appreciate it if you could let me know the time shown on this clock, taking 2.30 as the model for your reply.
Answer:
4.04
